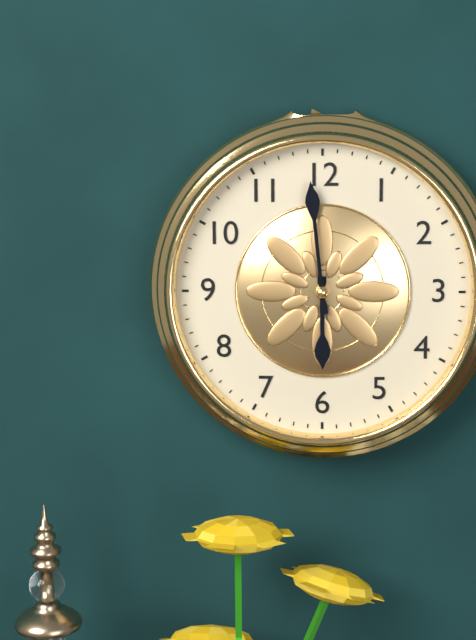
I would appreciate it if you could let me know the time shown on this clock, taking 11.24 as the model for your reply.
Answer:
5.59
